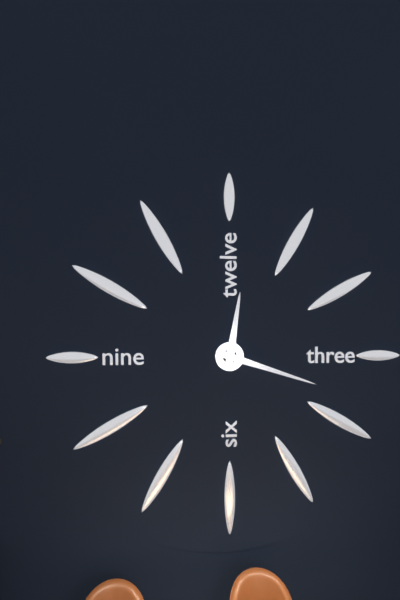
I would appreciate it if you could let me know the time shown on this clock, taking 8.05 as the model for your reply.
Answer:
12.18
